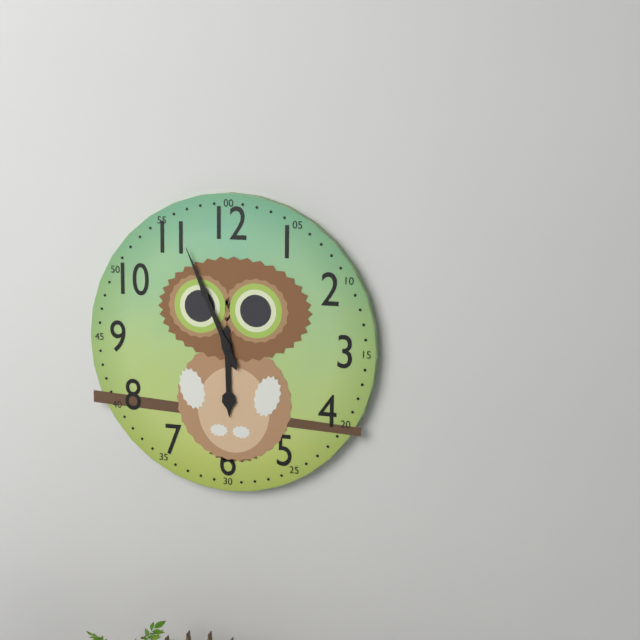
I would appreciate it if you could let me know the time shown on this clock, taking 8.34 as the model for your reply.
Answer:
5.56
